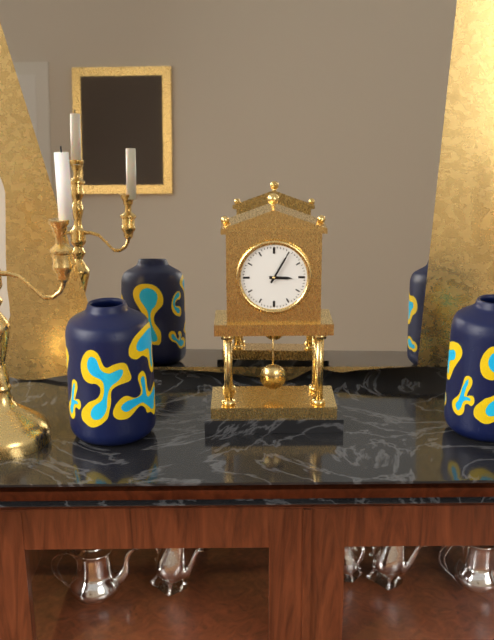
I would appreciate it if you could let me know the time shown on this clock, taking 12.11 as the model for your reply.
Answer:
3.05
